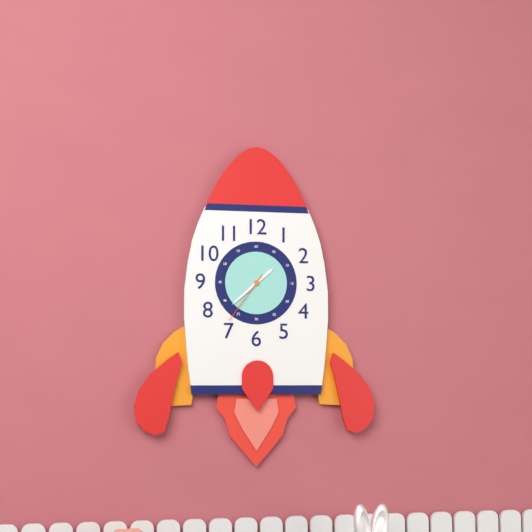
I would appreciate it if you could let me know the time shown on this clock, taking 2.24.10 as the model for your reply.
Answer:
1.38.36
